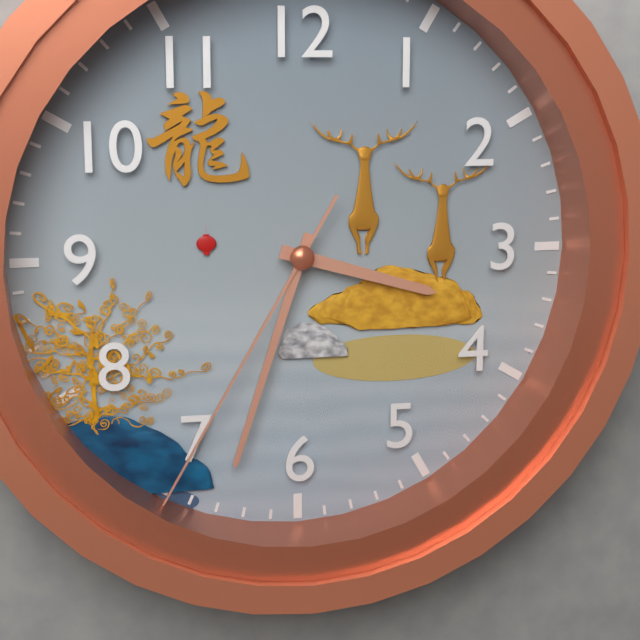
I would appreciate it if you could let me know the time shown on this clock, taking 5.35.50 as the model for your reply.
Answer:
3.33.35
